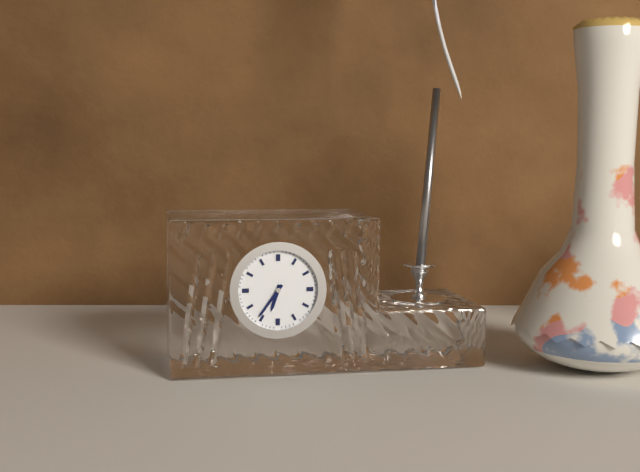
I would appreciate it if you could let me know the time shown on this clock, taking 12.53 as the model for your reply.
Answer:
6.36
